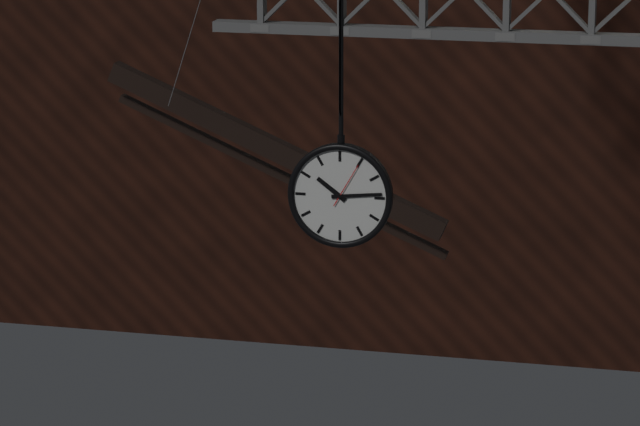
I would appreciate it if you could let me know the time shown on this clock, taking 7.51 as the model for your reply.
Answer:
10.14
